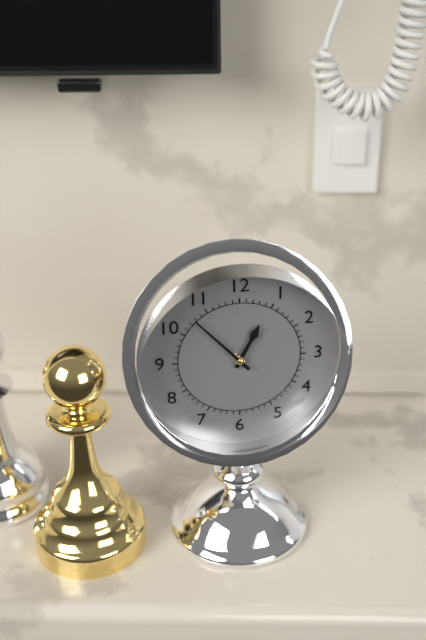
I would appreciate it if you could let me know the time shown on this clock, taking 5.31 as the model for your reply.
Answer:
12.53
